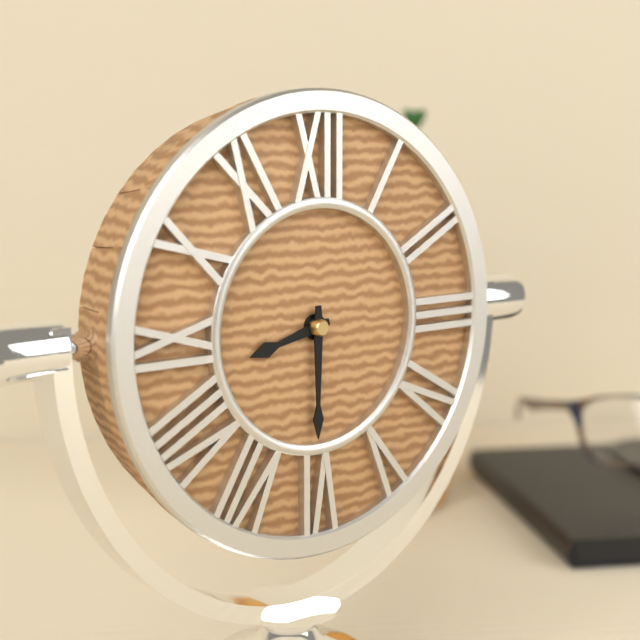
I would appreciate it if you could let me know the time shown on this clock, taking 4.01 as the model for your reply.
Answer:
8.30
